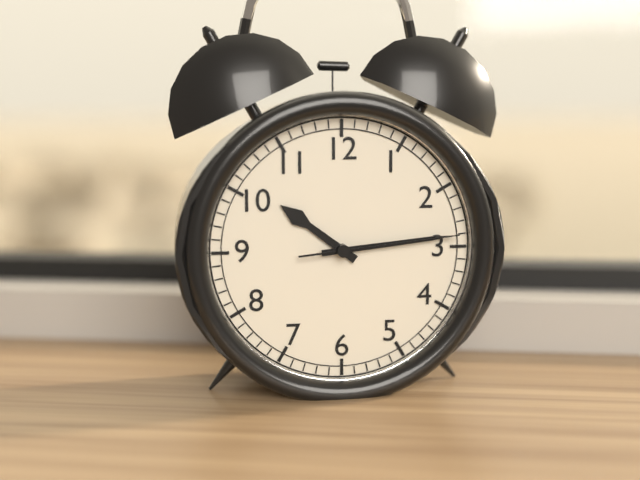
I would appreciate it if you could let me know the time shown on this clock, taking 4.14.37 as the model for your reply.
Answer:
10.14.14
